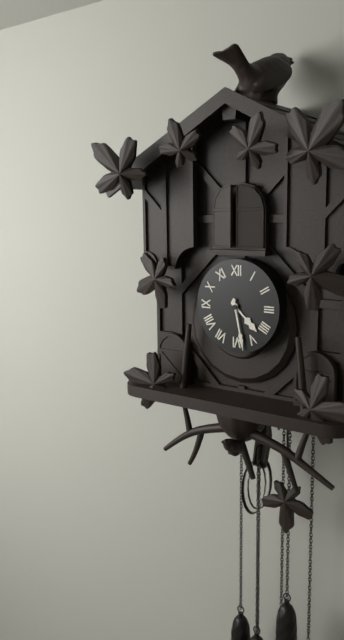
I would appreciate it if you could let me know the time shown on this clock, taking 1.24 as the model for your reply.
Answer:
4.28
